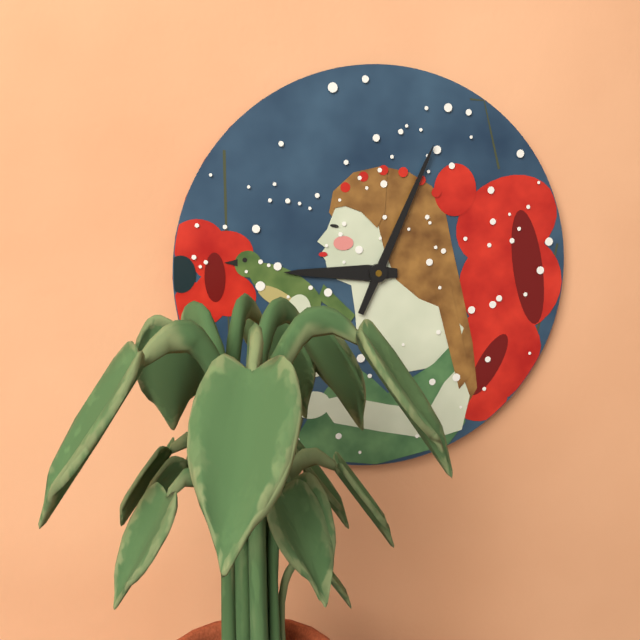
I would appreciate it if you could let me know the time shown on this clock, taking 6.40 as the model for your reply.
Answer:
9.04
